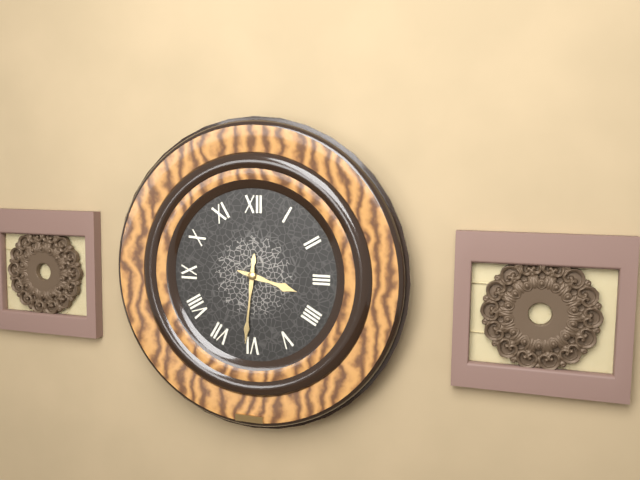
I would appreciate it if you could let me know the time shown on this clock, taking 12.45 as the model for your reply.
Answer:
3.31
